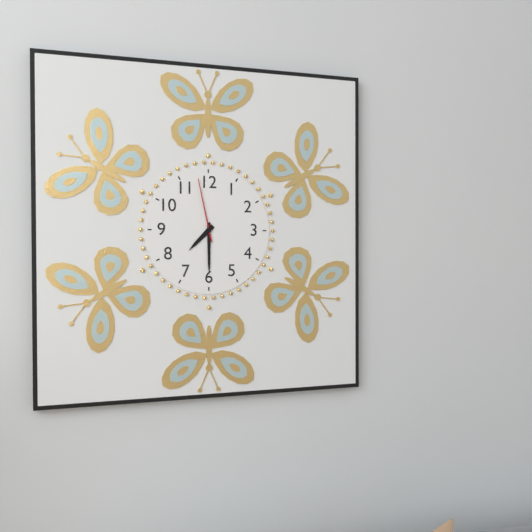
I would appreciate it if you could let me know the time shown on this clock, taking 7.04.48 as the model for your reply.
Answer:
7.30.58
